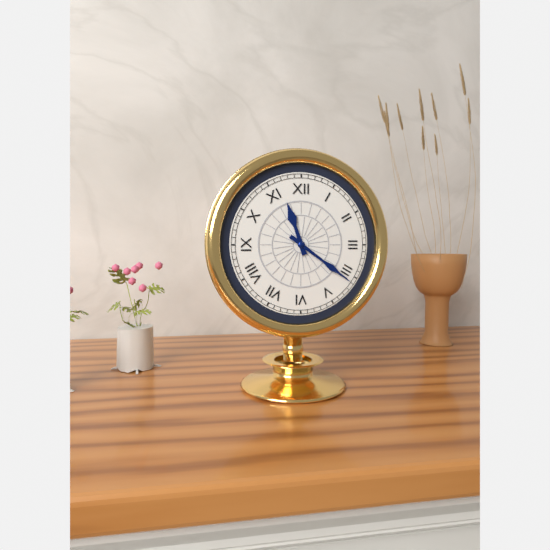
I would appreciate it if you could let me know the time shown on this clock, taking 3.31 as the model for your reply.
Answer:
11.21
